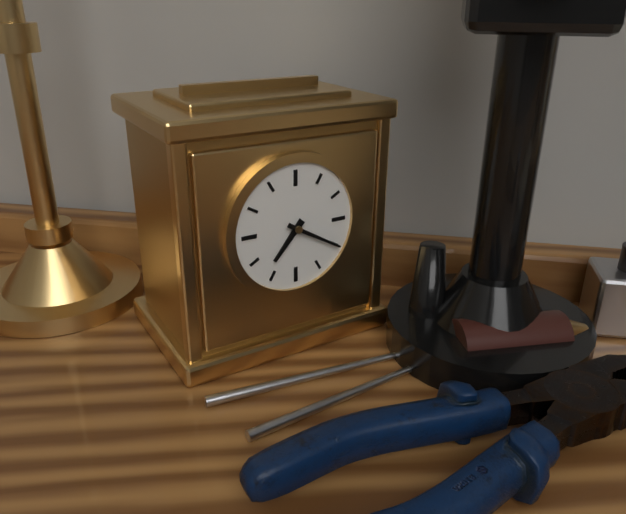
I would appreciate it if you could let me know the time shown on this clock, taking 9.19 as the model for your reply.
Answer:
7.20
